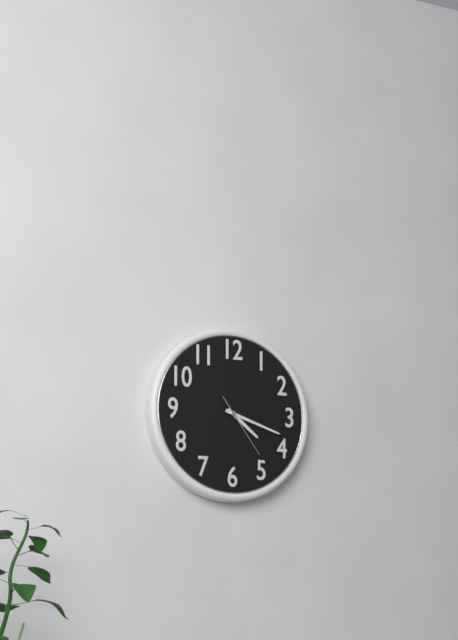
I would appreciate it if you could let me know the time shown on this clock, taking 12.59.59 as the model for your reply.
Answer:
4.18.24
